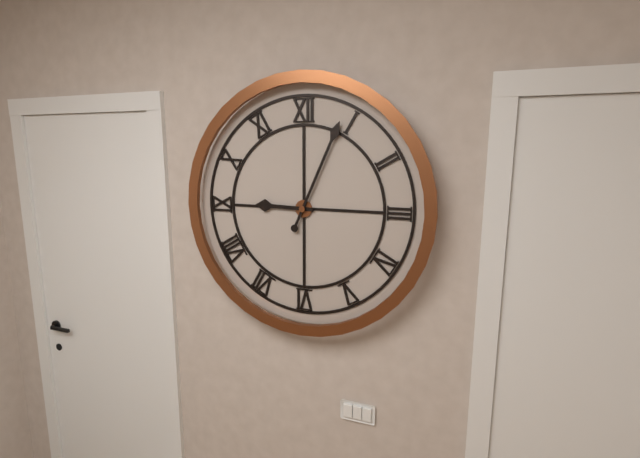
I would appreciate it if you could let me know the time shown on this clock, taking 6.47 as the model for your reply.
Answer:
9.04
